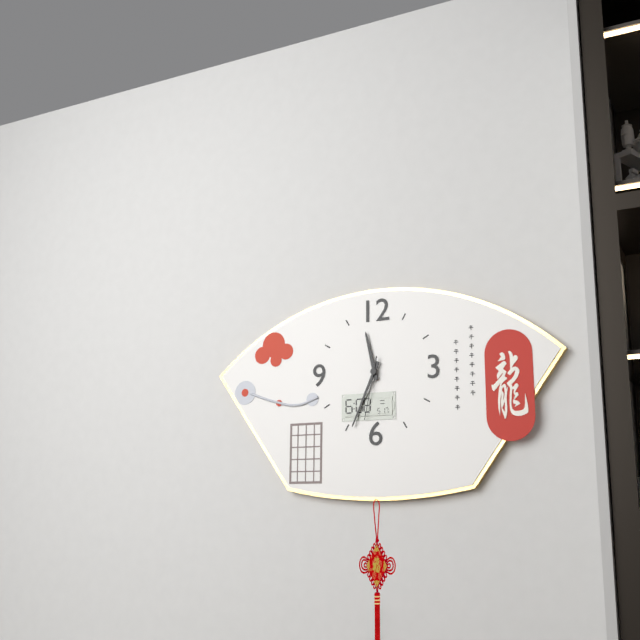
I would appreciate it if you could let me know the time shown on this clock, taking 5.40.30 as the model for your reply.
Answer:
11.34.32
